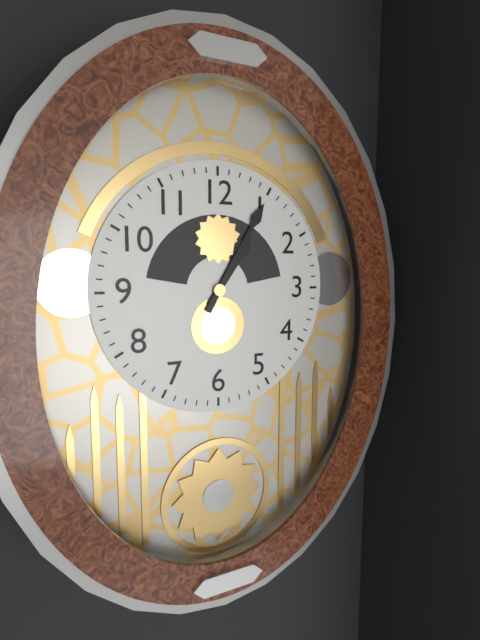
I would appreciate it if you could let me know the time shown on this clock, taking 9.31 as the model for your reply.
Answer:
1.05
